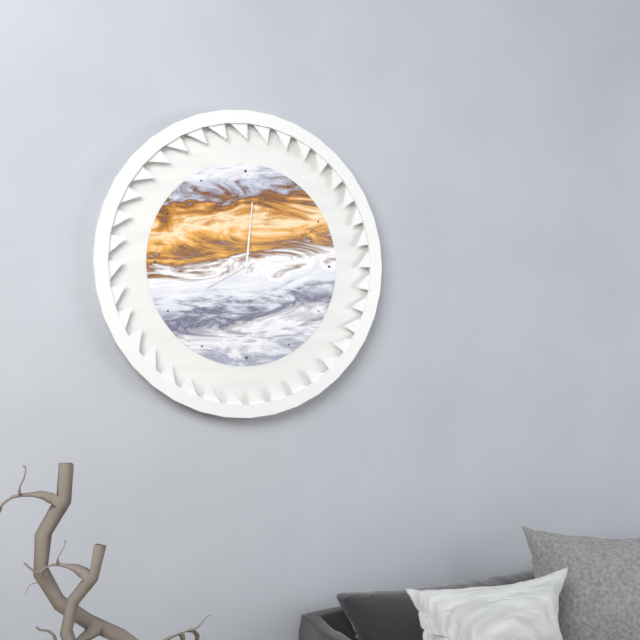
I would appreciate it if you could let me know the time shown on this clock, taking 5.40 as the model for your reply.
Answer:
8.01
